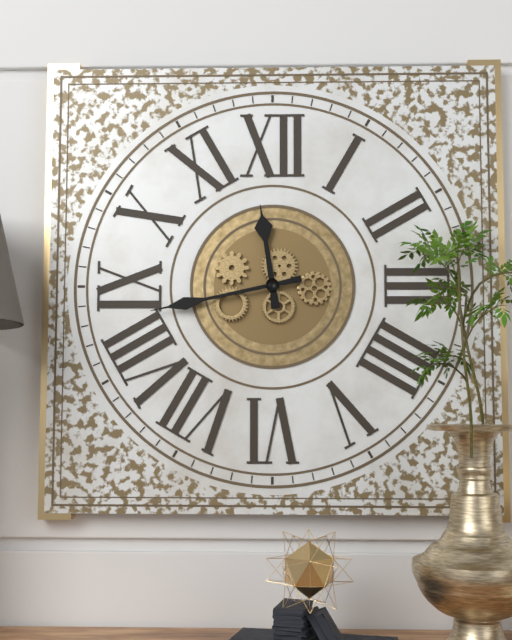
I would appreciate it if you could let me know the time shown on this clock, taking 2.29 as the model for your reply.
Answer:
11.43
